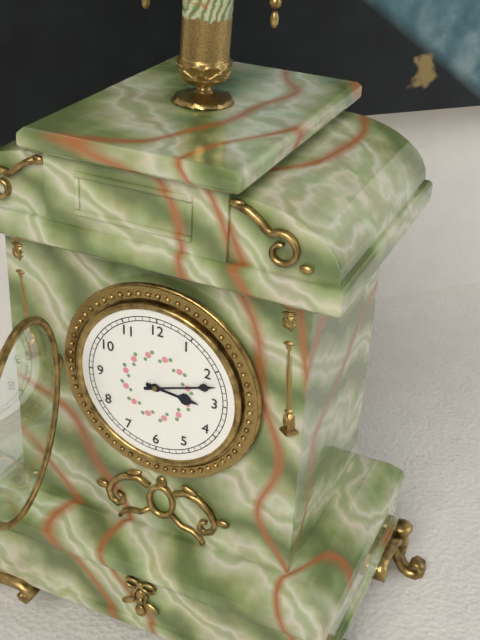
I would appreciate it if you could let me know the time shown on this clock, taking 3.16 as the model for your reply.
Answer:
3.12
